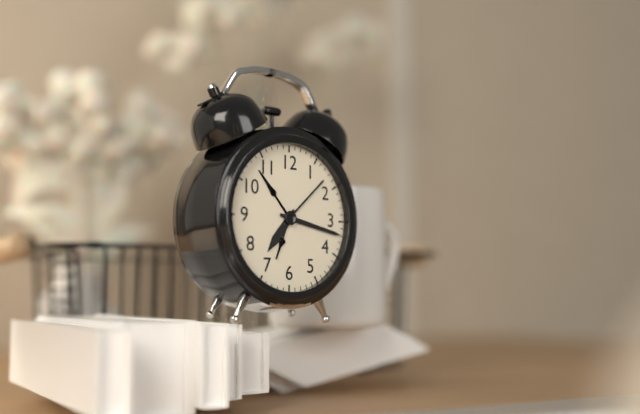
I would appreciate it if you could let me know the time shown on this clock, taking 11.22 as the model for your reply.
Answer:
7.17
